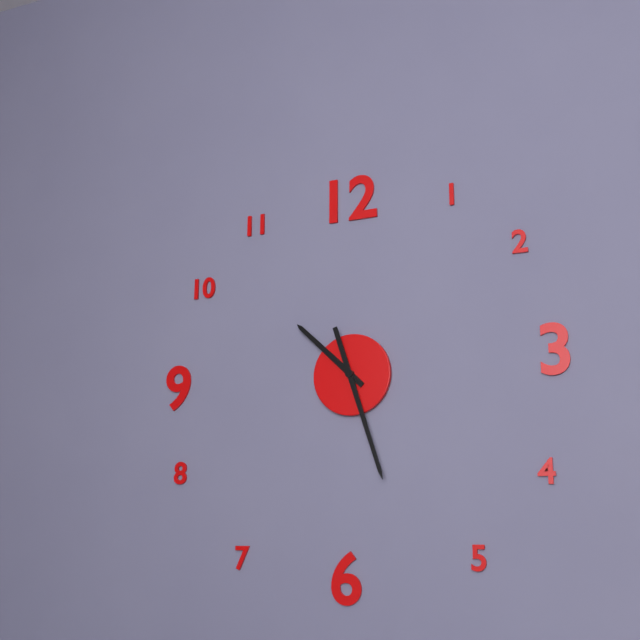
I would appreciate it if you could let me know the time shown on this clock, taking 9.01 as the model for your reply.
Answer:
10.27
